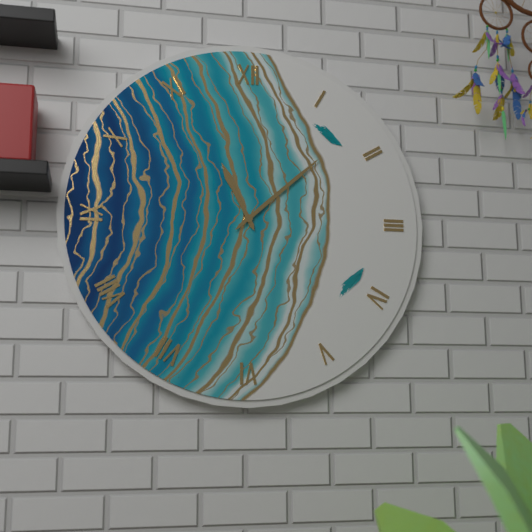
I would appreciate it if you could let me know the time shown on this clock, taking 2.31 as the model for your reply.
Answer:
11.08
